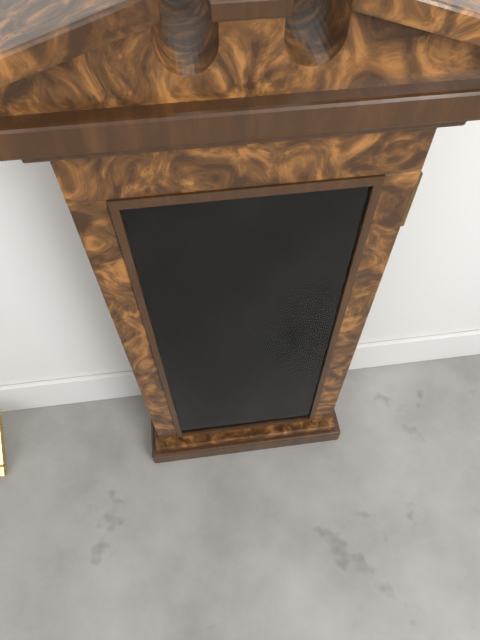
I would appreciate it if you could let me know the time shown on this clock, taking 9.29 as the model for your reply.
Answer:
11.15
